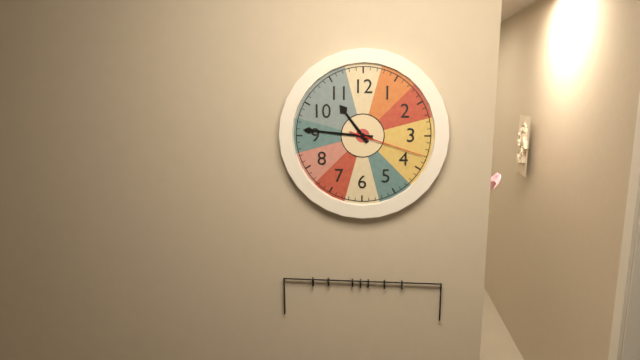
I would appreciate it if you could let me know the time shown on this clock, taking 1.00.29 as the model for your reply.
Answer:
10.46.18
